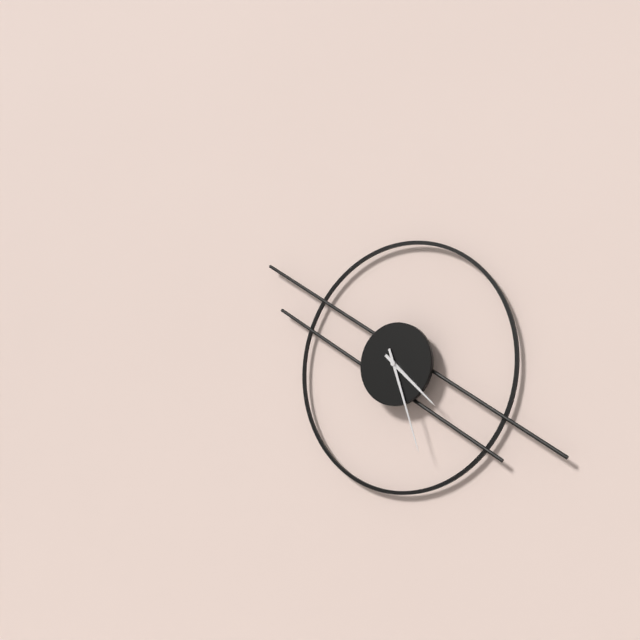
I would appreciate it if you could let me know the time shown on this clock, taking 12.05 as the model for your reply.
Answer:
4.27
